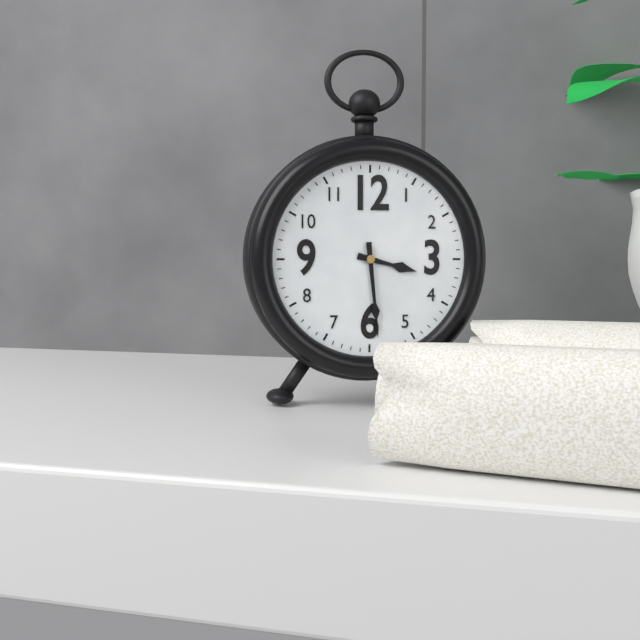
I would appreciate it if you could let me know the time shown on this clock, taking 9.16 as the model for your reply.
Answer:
3.29
